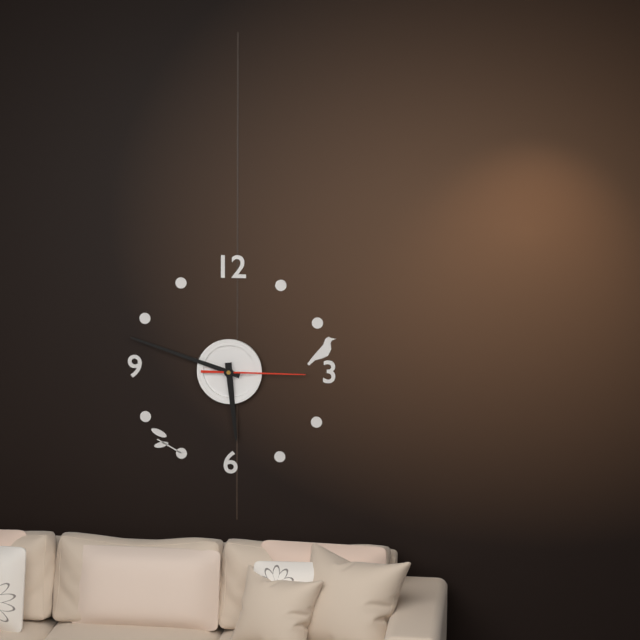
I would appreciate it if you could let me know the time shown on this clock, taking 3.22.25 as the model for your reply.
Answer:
5.48.15
